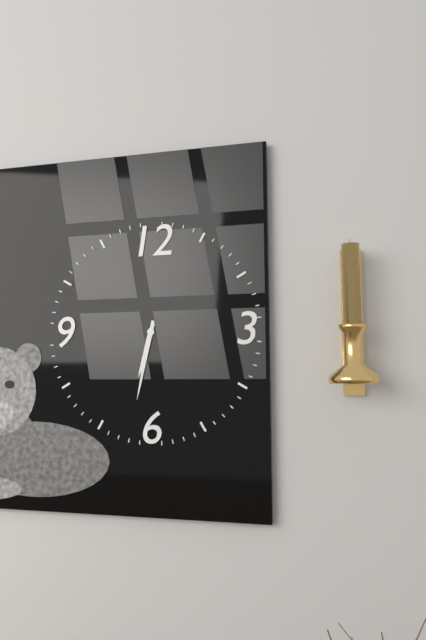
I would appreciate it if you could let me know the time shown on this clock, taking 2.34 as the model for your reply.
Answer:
6.32
